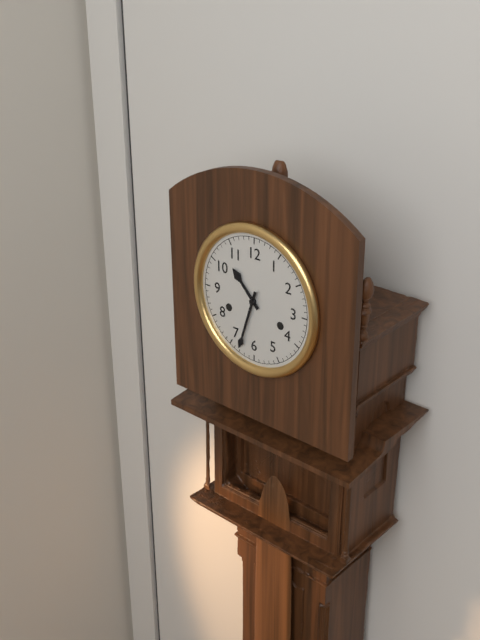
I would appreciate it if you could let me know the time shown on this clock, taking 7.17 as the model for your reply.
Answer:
10.33
